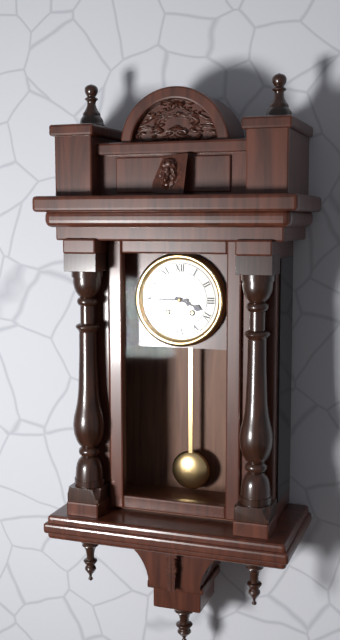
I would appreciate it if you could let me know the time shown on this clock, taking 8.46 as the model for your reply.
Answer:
3.45
